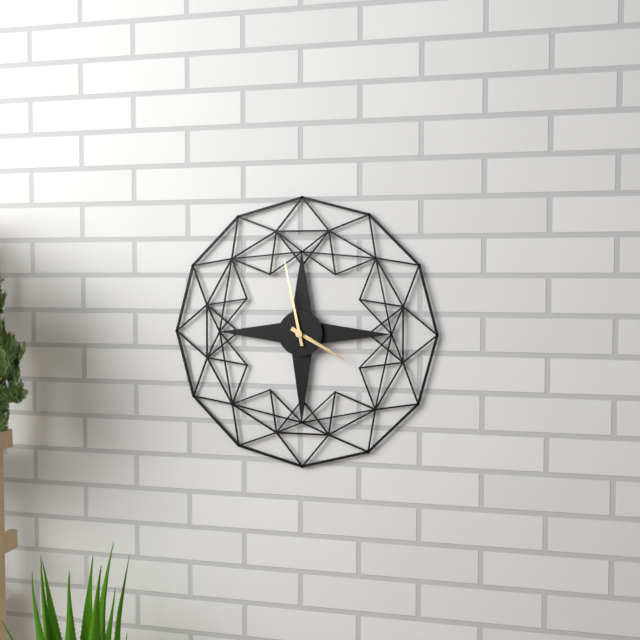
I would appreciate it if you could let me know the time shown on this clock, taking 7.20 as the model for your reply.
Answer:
3.58
